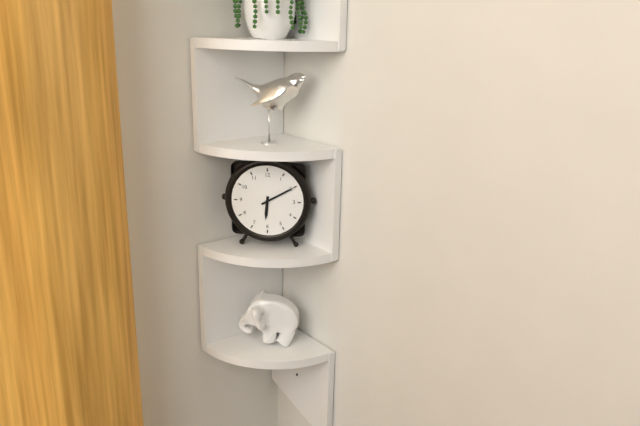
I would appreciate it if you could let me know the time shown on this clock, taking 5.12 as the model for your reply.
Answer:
6.10
